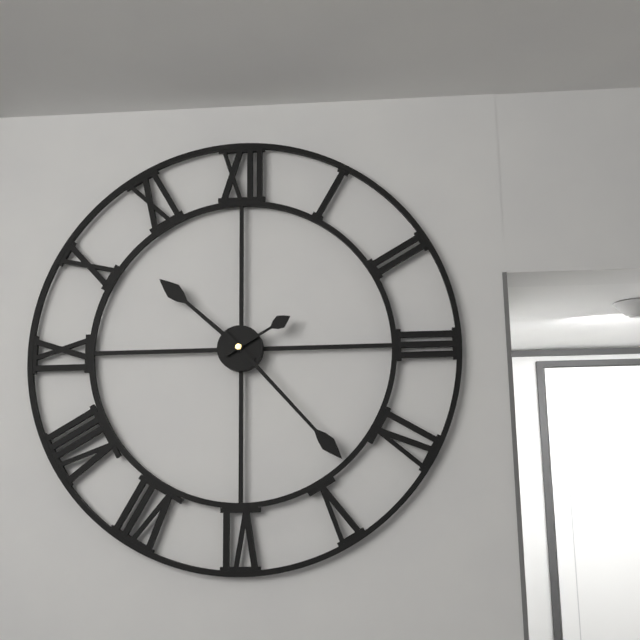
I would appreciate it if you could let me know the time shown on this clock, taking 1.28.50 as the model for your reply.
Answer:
10.23.10
